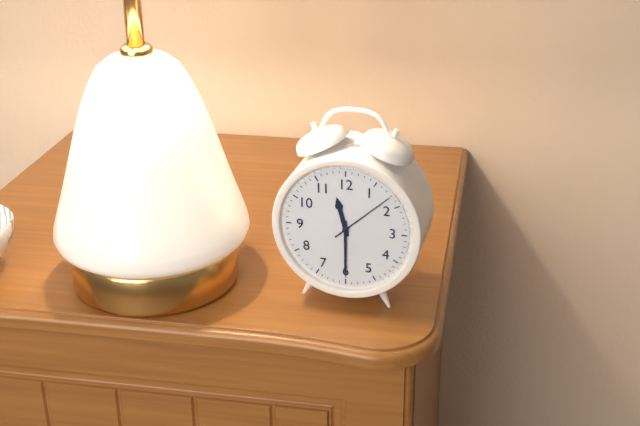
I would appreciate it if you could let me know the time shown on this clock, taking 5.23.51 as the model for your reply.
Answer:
11.30.08
